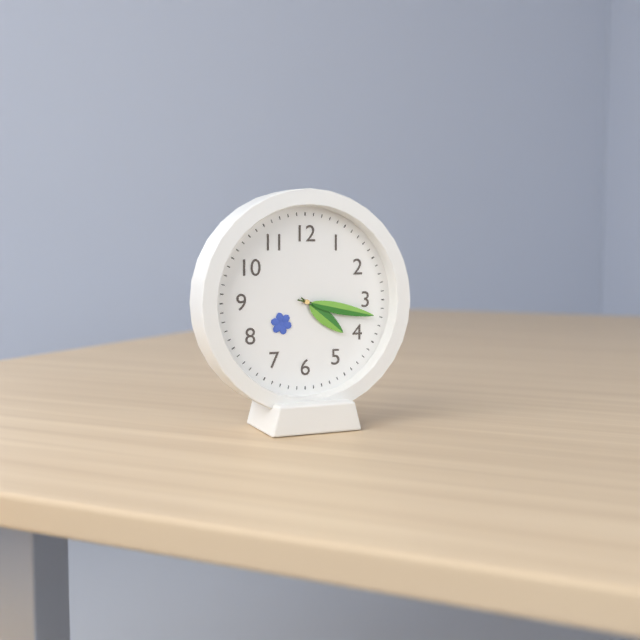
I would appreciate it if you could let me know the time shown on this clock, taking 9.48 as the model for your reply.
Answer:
4.17
